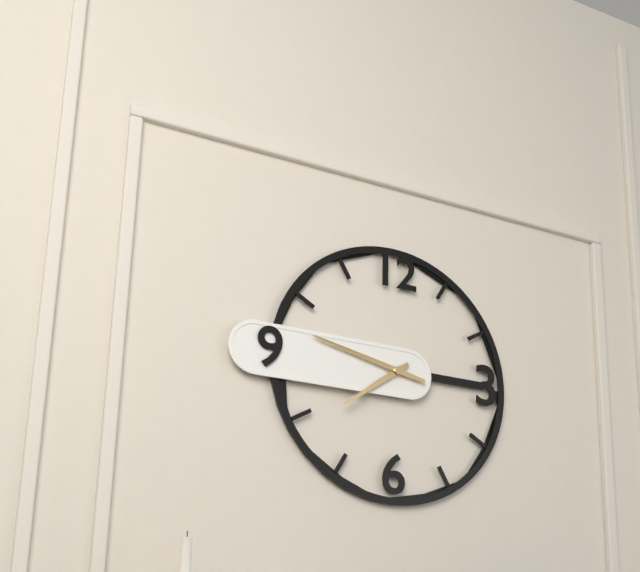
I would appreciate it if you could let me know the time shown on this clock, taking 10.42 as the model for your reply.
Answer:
7.47
